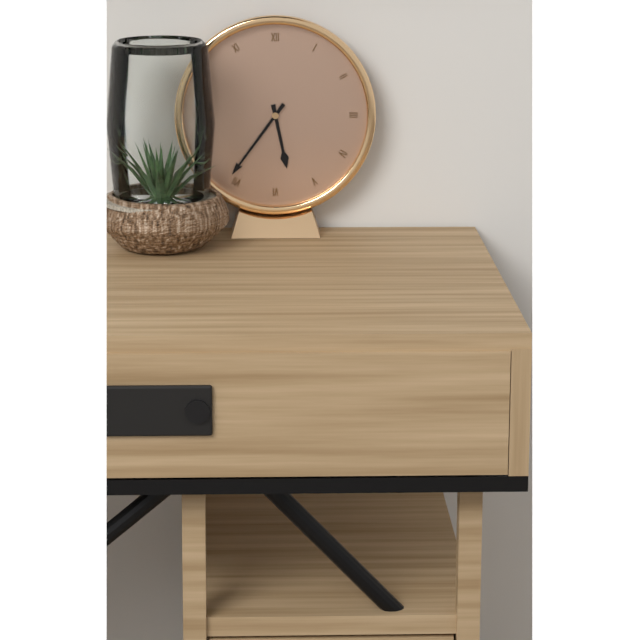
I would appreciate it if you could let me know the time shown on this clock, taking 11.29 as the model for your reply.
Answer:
5.36
